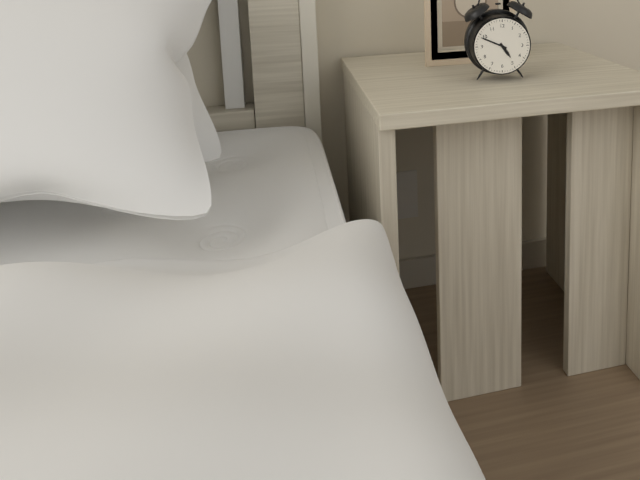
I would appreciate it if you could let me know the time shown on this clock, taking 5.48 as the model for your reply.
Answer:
4.49
